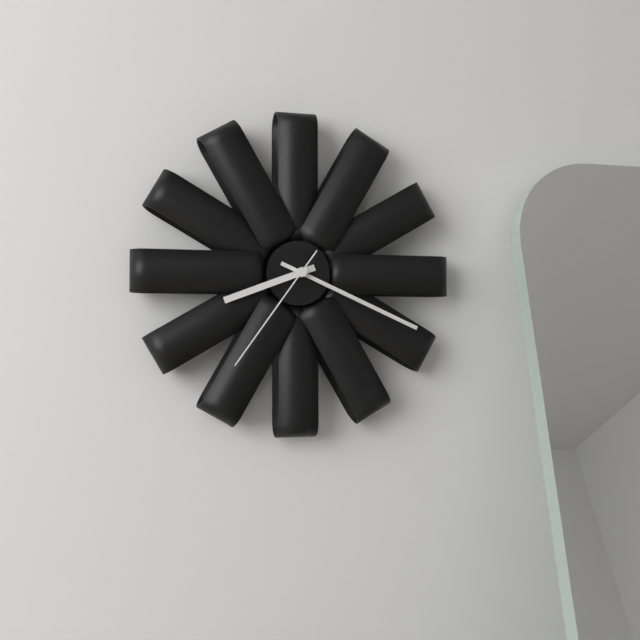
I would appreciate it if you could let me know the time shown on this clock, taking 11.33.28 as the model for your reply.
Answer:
8.19.36
